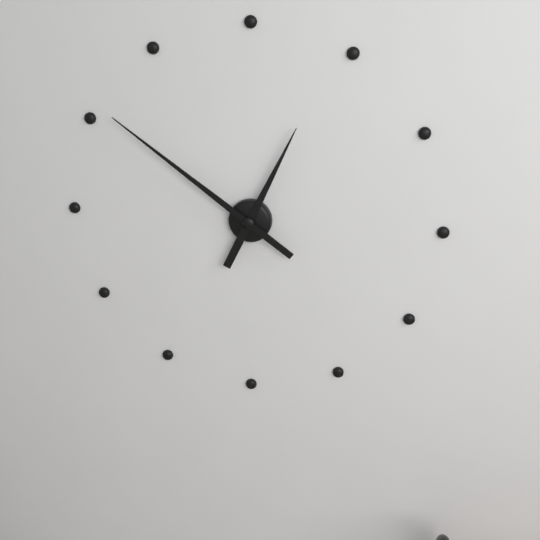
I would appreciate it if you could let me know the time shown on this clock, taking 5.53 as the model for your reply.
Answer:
12.51
